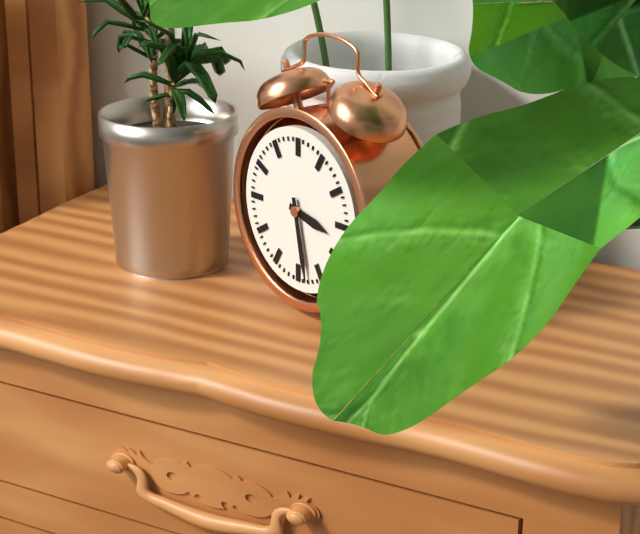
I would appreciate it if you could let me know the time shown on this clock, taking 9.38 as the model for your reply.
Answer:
3.28
